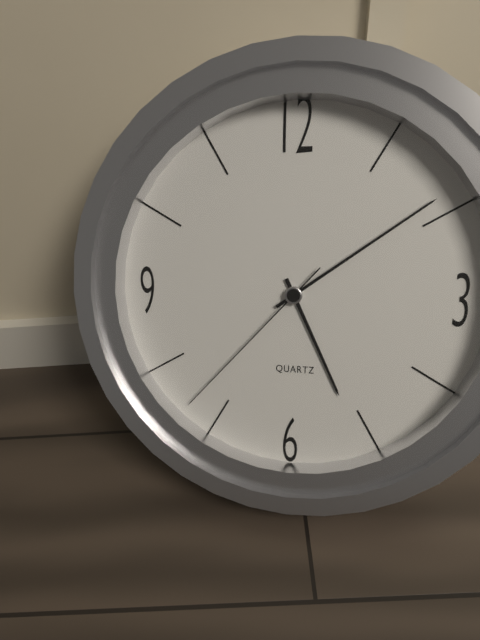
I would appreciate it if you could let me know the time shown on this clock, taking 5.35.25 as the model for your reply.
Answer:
5.09.37
